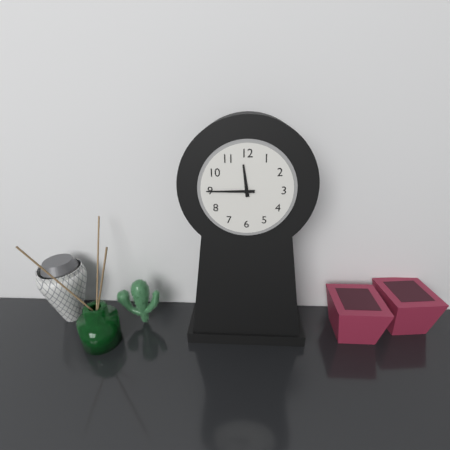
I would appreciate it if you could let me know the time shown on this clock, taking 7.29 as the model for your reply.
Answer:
11.45
